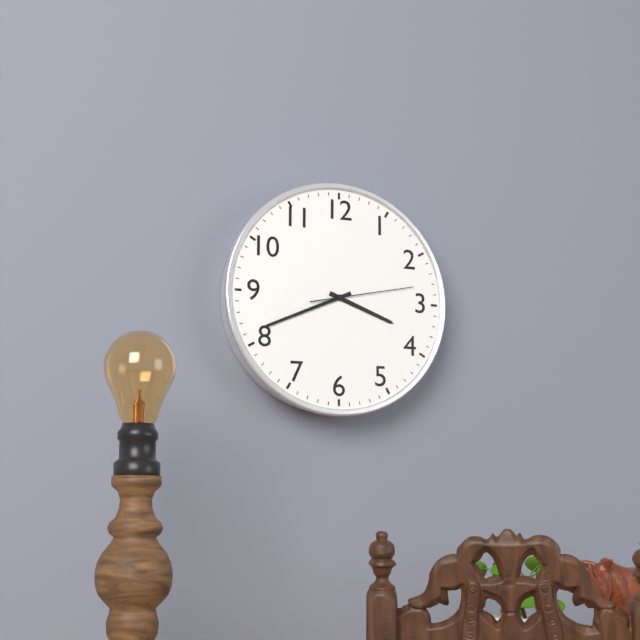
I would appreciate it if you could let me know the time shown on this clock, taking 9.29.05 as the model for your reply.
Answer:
3.41.13
